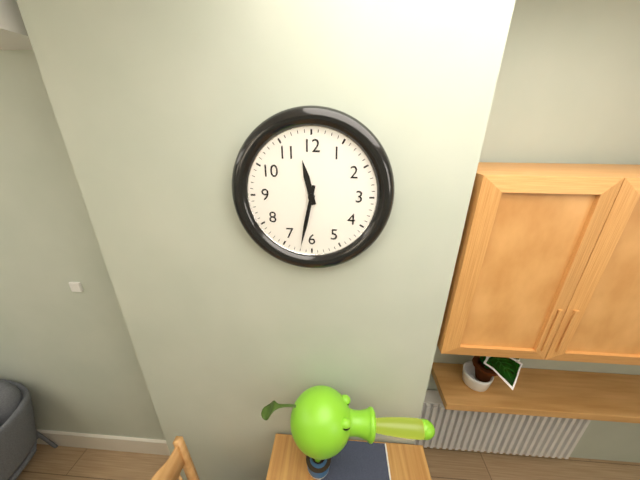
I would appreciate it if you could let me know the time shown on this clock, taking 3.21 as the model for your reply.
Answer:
11.32
